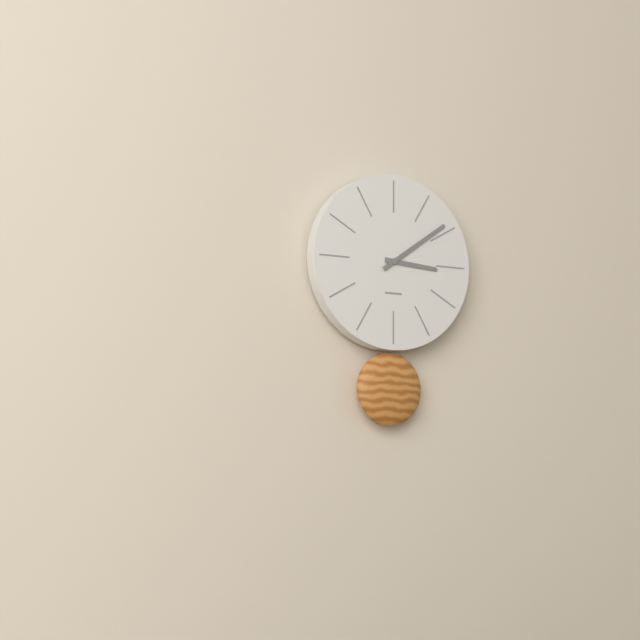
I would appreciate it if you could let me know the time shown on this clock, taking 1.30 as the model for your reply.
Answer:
3.09
